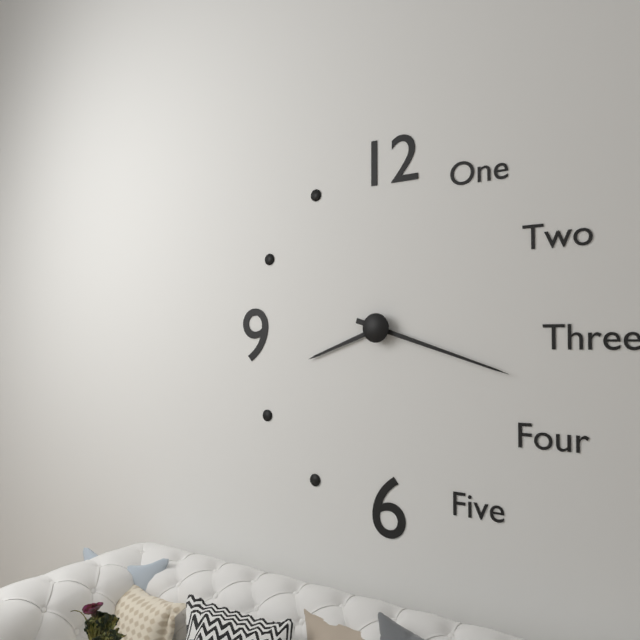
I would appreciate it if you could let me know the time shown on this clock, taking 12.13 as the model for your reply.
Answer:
8.18
